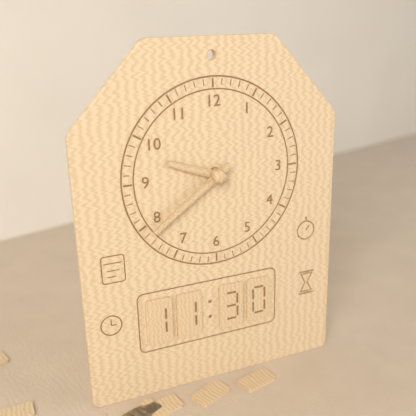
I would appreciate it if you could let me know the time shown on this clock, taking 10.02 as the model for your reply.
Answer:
9.39
